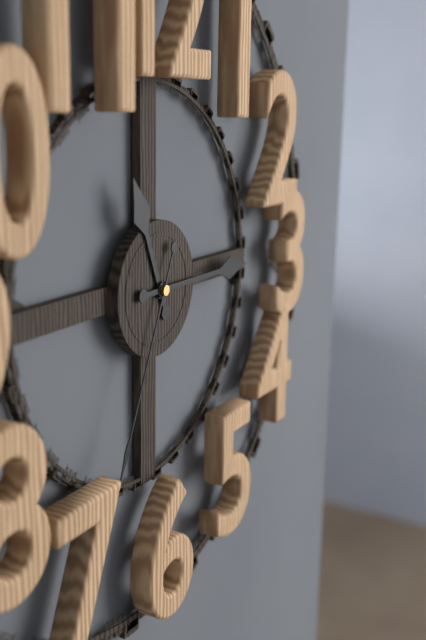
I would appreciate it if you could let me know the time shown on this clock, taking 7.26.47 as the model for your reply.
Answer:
11.15.34
